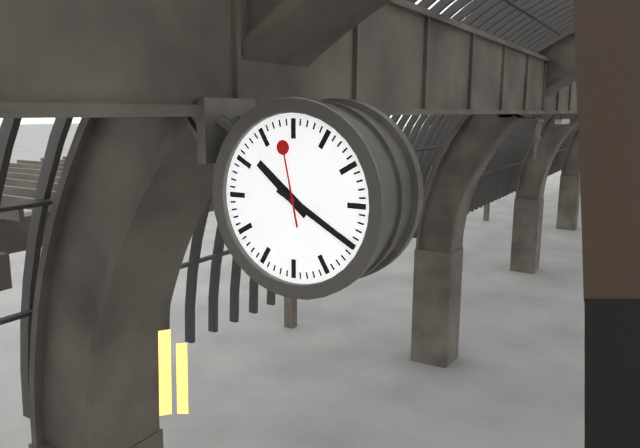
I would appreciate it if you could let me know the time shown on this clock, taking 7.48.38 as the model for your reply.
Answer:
10.20.58
